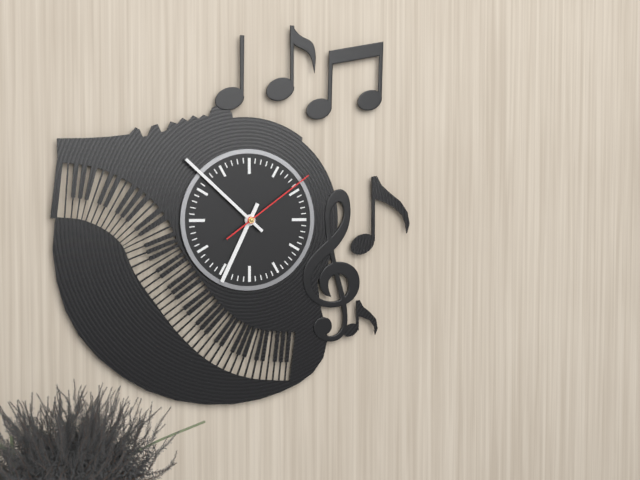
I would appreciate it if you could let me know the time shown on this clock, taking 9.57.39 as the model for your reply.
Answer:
6.52.09
